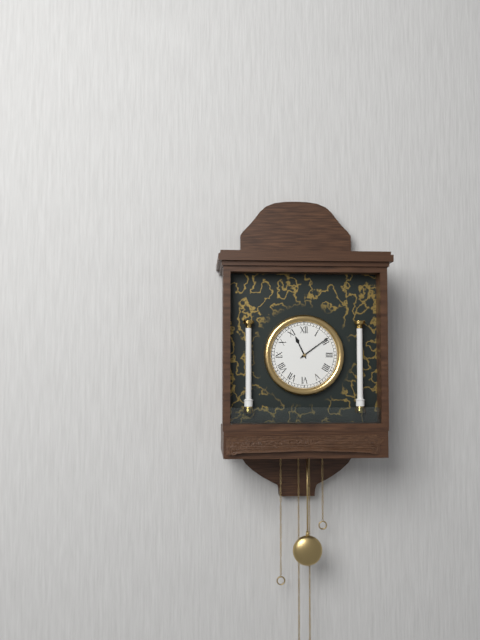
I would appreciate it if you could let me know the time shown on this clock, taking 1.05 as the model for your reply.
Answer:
11.09
